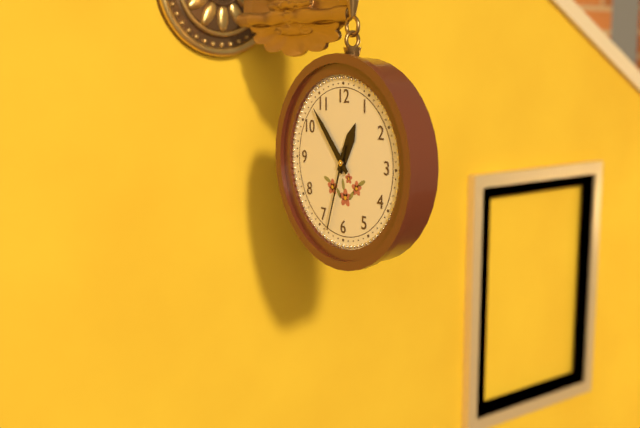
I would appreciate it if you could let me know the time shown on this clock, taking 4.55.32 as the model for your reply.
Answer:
12.53.33
